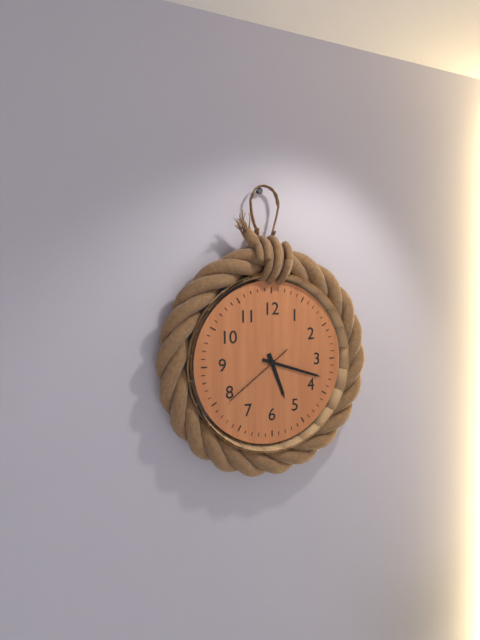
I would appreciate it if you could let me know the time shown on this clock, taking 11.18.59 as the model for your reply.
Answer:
5.18.39
